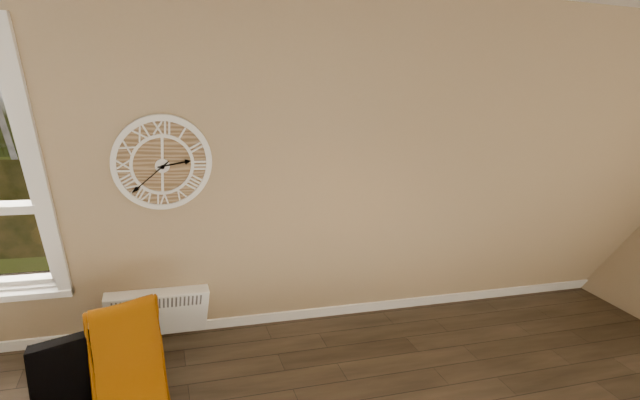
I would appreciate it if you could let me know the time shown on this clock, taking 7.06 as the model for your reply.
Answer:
2.38
